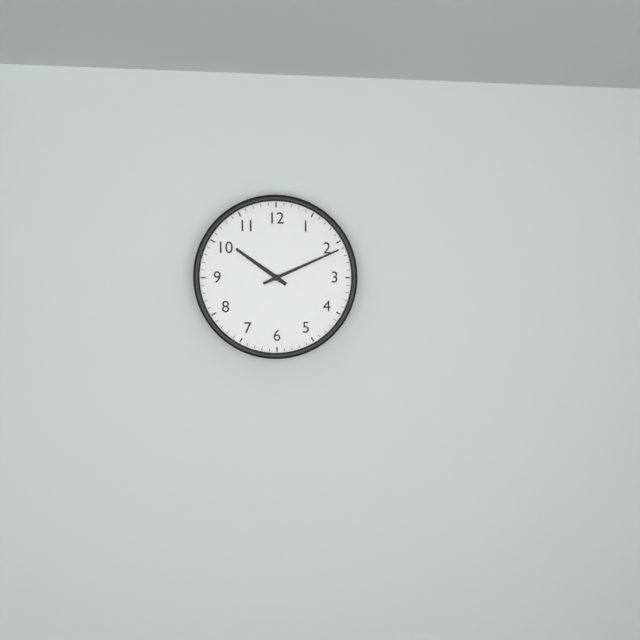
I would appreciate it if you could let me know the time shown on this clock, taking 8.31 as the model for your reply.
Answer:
10.11
